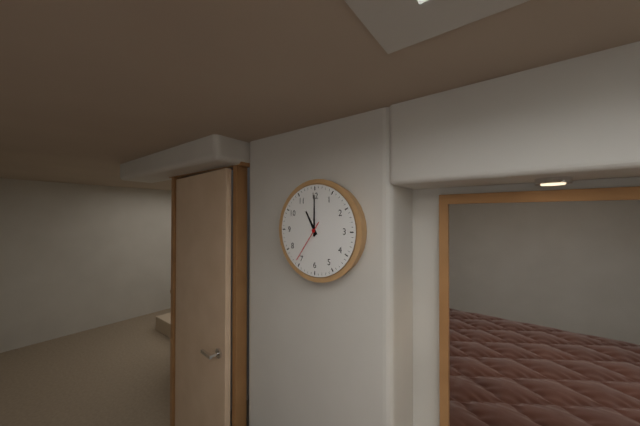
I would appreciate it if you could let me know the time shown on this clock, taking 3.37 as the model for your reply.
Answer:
11.00
